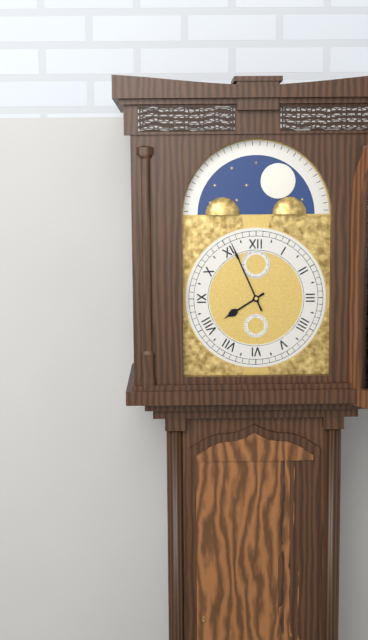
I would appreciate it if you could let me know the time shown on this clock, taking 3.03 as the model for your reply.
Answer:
7.56
